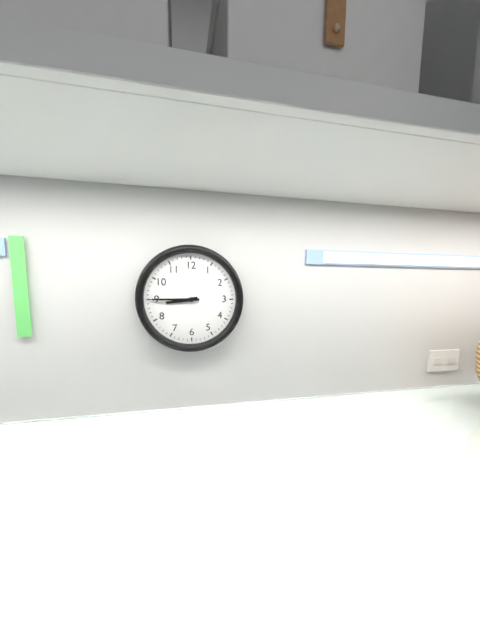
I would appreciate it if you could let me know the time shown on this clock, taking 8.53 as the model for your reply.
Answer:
8.45
